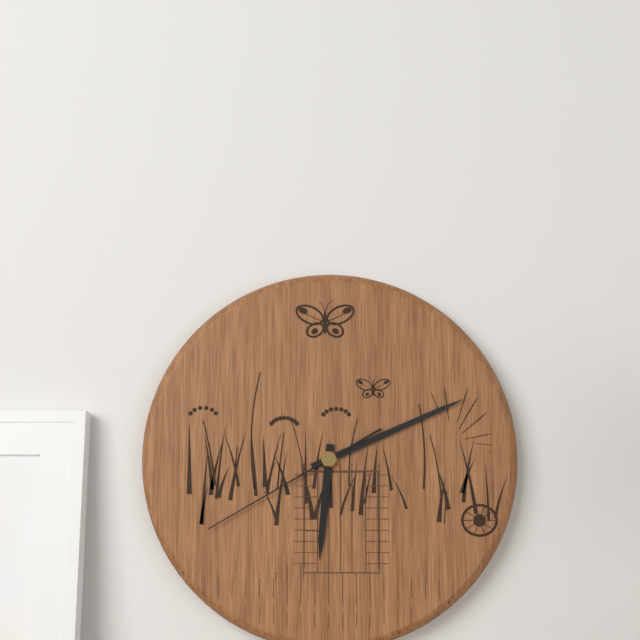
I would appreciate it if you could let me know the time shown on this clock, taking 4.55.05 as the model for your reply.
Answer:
6.11.40
